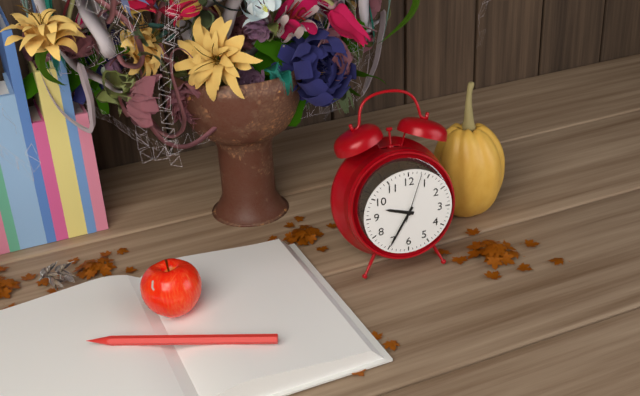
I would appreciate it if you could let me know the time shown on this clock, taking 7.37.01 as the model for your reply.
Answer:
9.35.03
